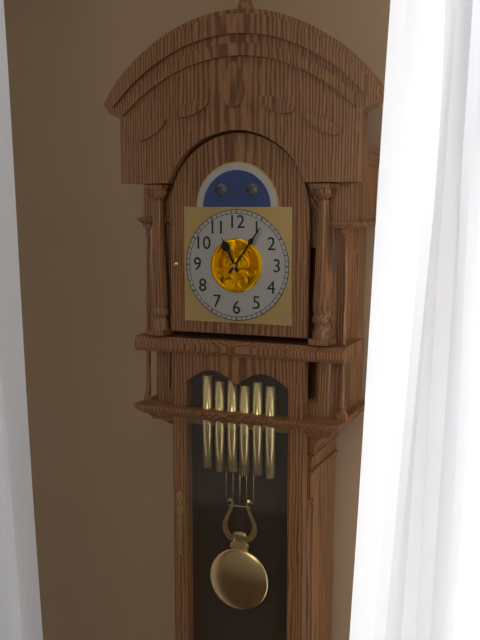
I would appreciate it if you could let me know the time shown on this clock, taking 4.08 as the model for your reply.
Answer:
11.06
